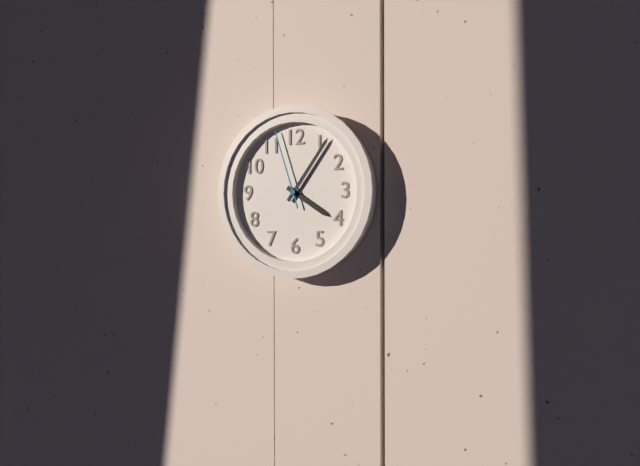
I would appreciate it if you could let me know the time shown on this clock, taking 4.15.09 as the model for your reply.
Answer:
4.06.57
